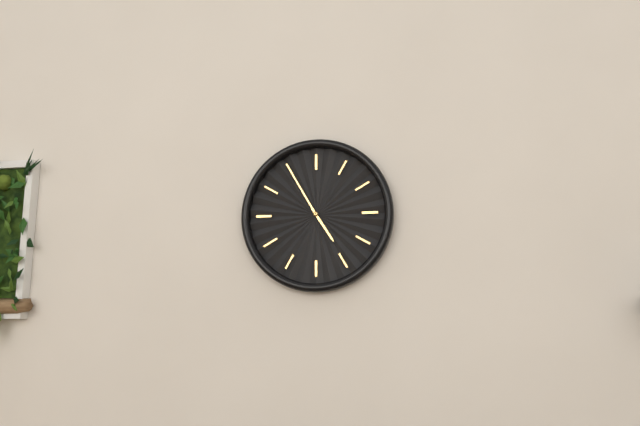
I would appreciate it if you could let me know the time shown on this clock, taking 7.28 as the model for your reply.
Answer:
4.55
